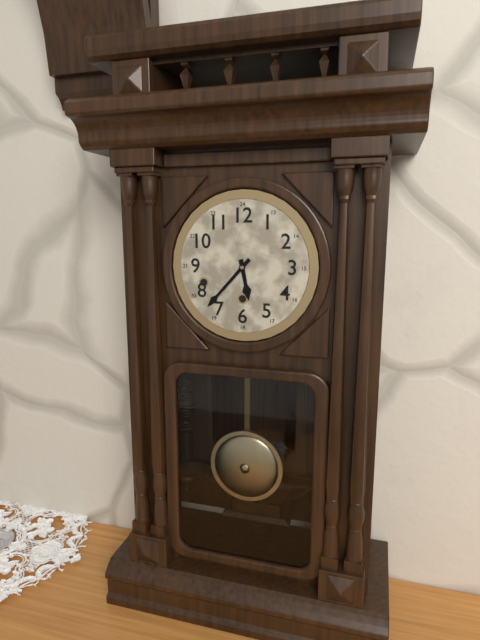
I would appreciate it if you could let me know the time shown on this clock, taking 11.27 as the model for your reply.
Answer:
5.37
